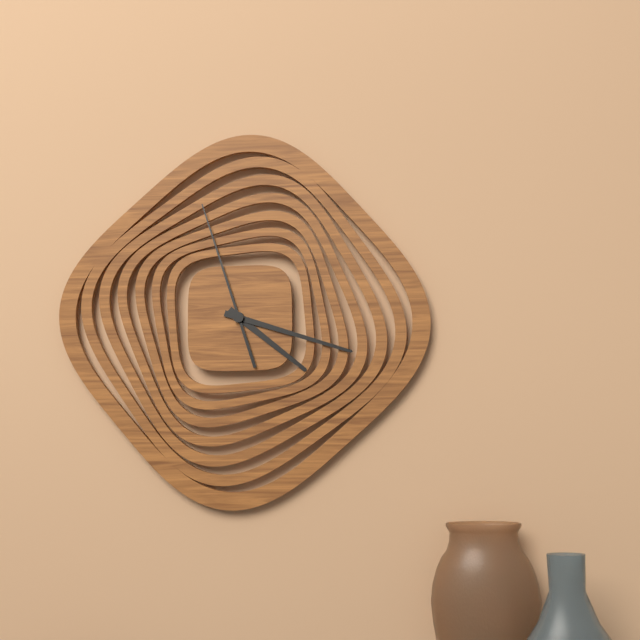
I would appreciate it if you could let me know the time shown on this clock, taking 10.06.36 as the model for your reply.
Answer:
4.18.57
